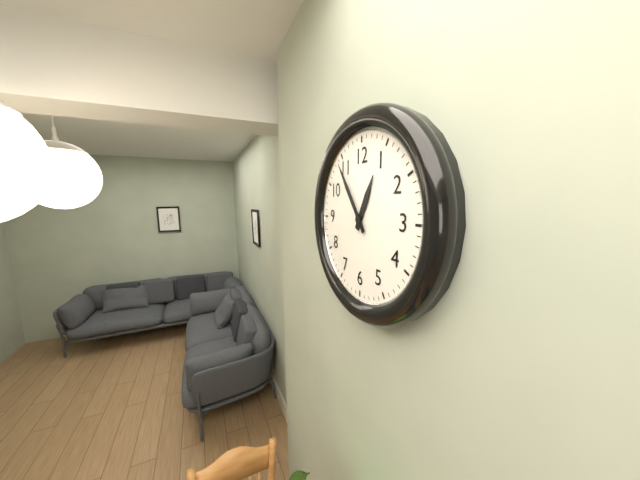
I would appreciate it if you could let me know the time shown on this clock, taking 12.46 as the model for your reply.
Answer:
12.54
